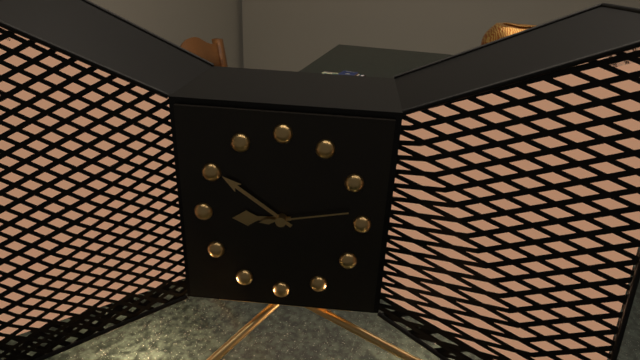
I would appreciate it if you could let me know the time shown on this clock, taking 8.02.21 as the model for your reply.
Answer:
8.51.13
